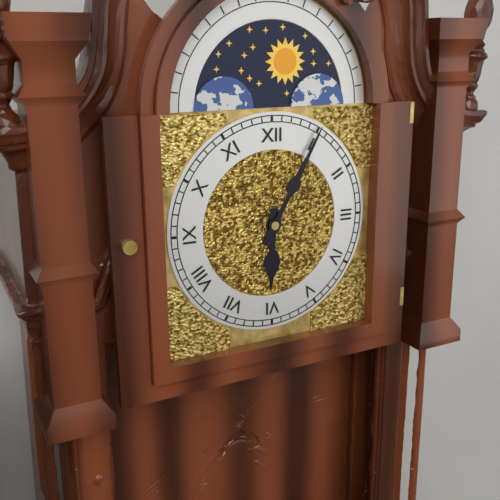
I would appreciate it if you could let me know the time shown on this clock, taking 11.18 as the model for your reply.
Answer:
6.05
